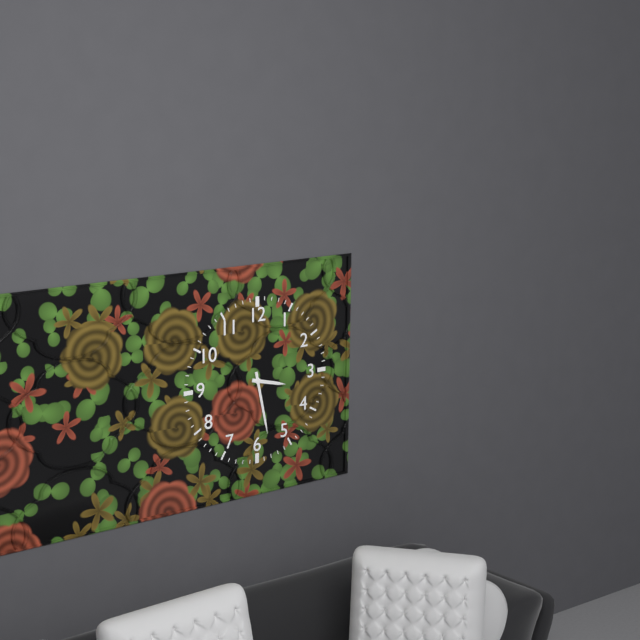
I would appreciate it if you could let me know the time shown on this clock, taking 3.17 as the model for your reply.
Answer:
3.28
